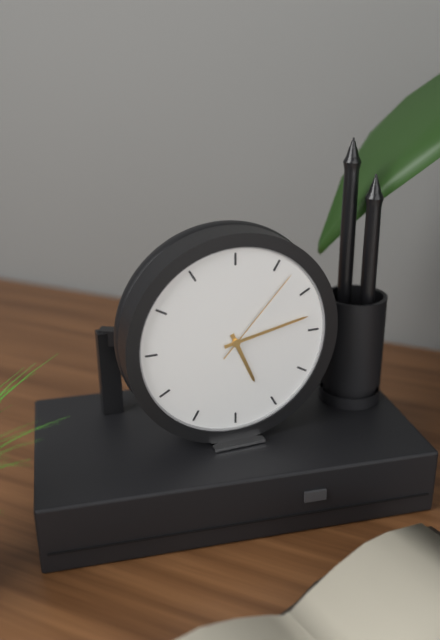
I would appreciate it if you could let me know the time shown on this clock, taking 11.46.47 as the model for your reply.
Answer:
5.13.07
